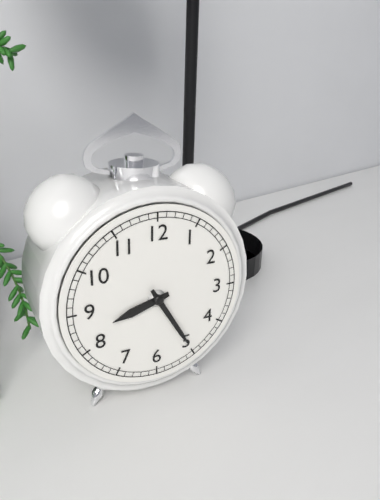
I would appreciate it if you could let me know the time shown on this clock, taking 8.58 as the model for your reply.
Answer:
8.25
